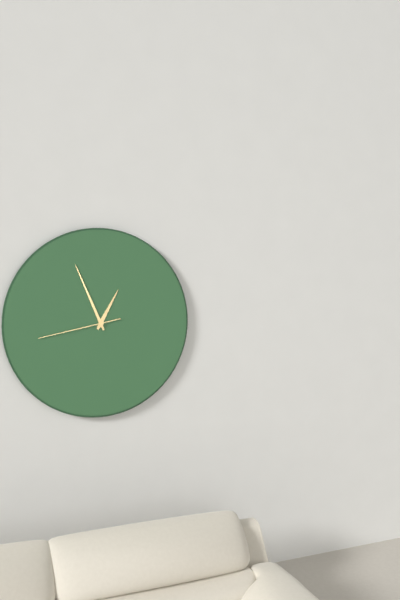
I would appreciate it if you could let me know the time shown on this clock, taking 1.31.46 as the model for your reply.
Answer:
12.56.43
